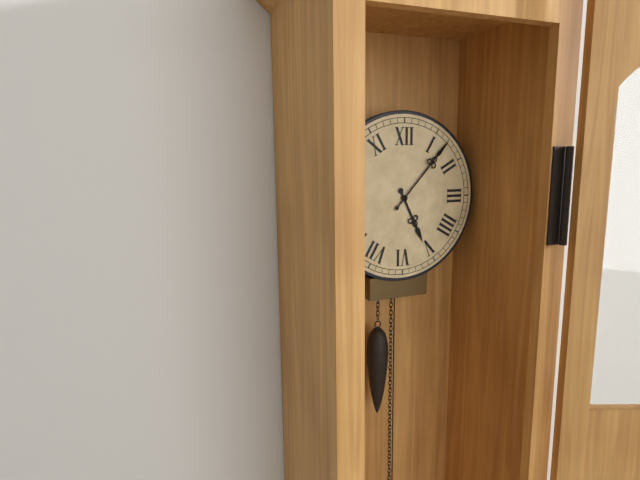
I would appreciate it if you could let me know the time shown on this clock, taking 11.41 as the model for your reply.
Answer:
5.07
